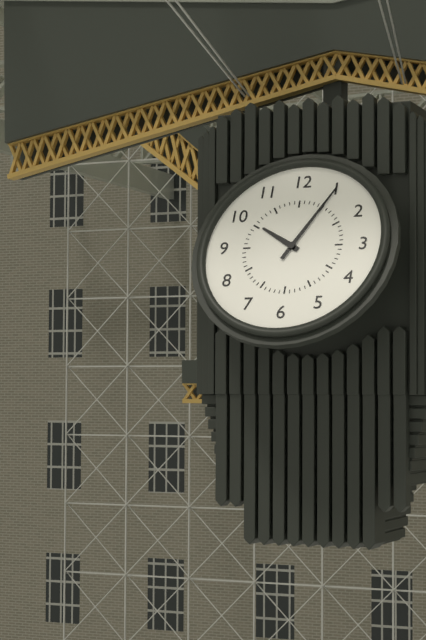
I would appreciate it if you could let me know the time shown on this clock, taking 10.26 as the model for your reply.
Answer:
10.05
